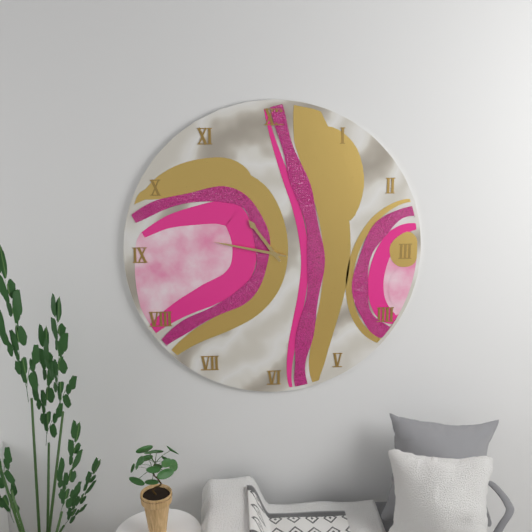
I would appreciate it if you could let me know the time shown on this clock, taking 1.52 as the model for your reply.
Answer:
10.47
